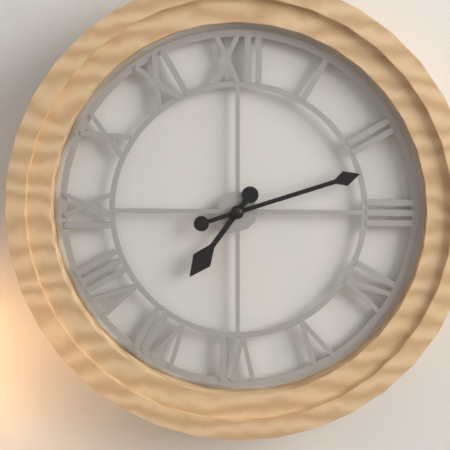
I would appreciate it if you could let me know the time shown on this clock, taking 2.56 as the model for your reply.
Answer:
7.12
